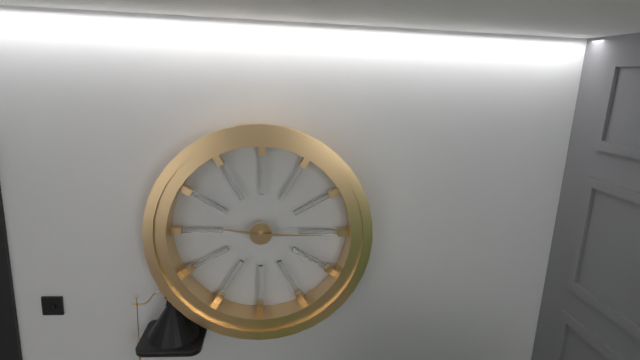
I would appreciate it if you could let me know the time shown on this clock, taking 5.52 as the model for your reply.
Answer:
9.15
